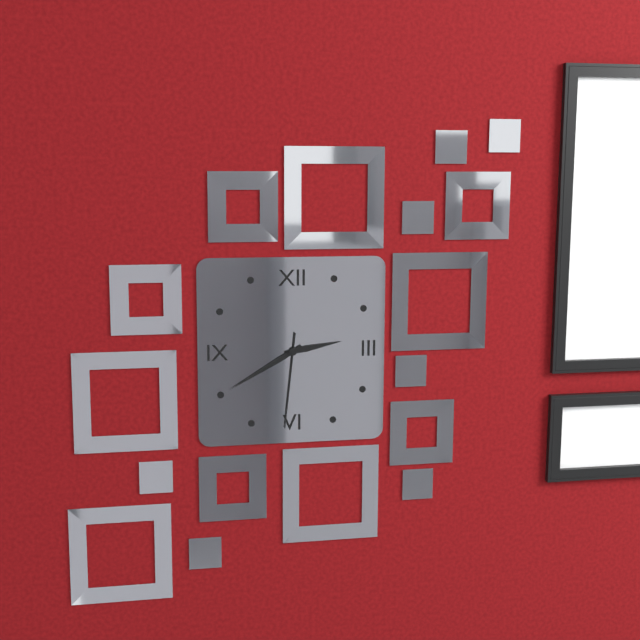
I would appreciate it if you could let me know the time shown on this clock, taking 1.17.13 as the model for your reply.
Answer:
2.40.31
